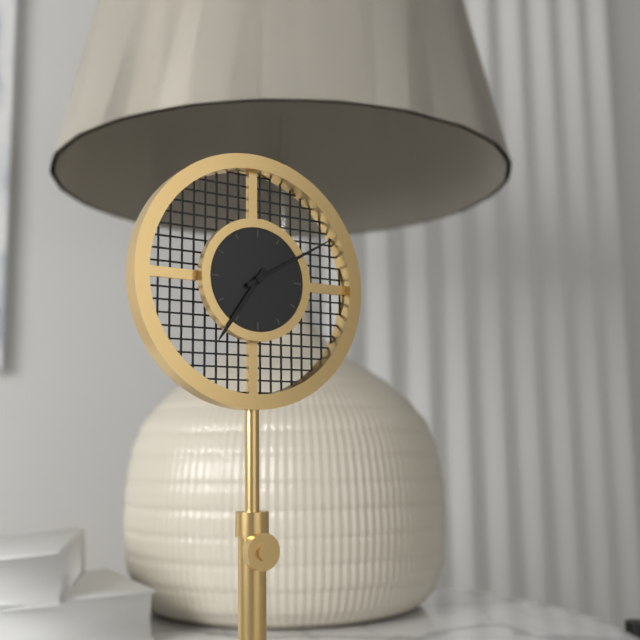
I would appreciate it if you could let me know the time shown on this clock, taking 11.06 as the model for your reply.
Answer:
7.10
